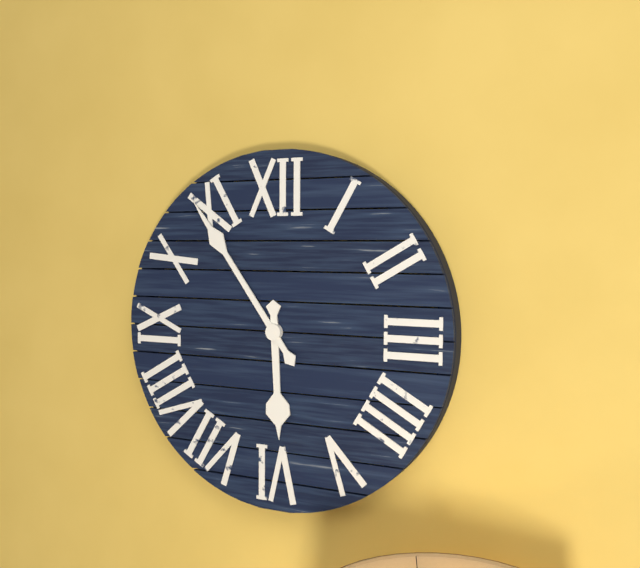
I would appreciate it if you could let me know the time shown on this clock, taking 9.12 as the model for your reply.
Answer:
5.54
